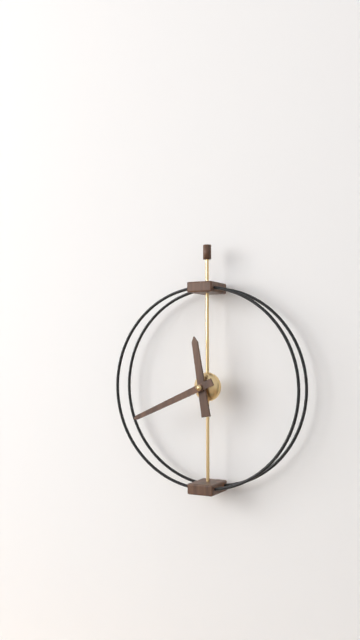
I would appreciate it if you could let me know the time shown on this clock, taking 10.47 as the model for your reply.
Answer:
11.41
